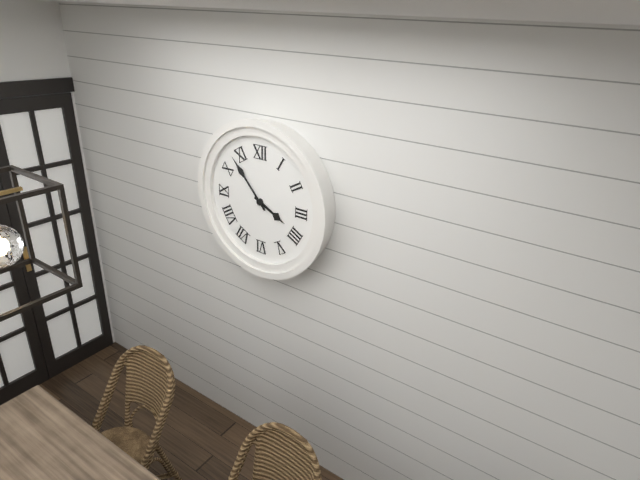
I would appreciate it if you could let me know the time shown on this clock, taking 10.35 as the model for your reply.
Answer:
3.53
